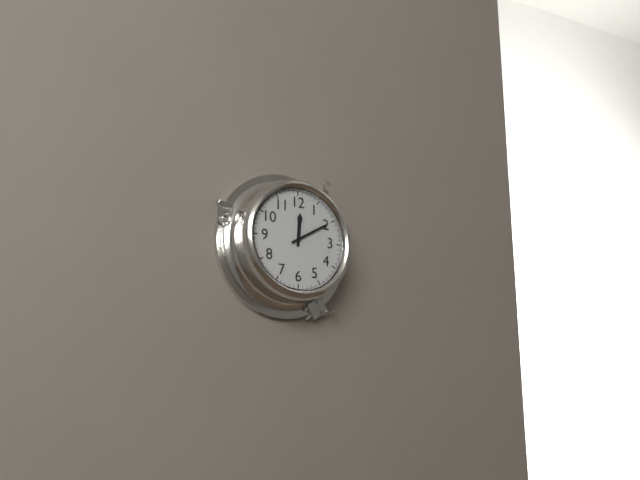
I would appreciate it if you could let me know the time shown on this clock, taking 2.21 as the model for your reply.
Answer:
12.10
